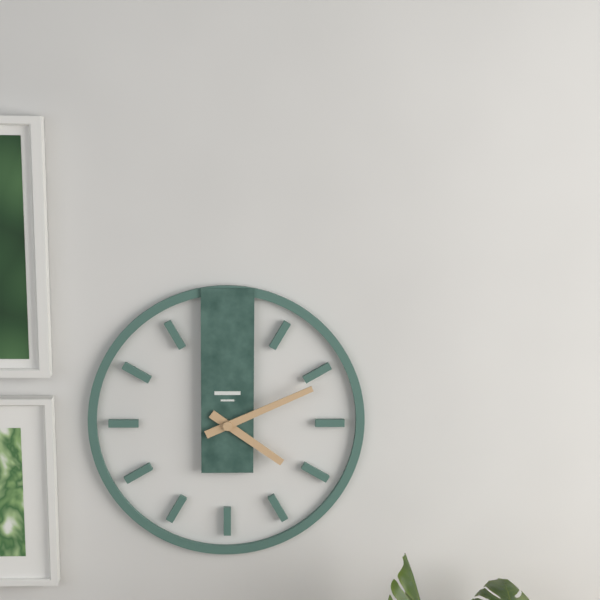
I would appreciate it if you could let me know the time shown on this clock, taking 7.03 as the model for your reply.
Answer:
4.11
